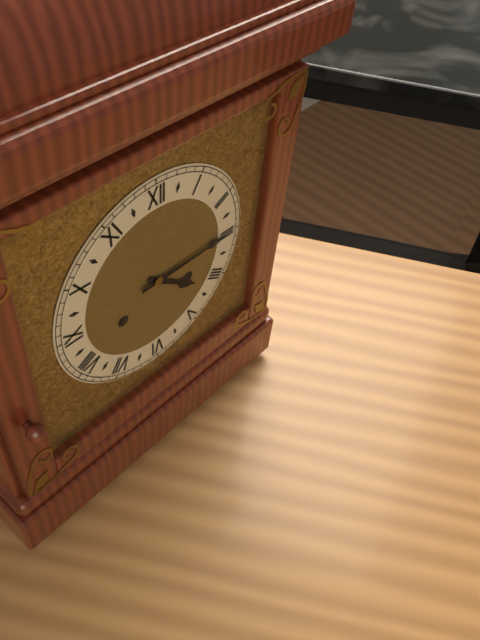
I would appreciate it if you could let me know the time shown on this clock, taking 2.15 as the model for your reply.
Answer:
4.15
